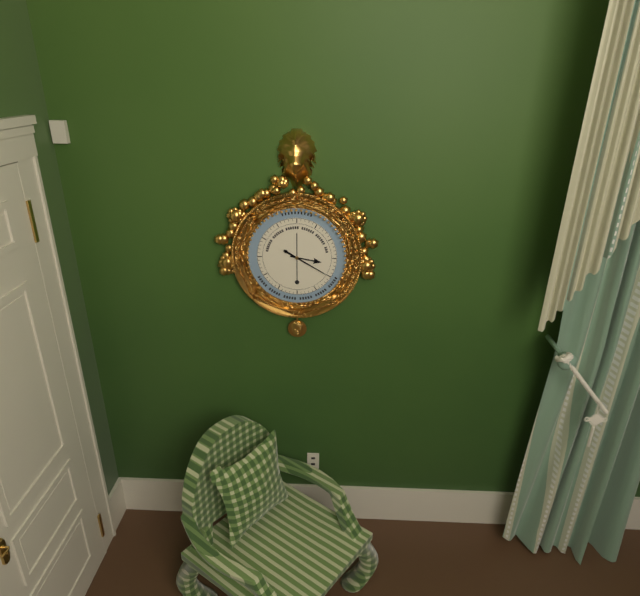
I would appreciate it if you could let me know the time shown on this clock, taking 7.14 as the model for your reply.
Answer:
3.20
